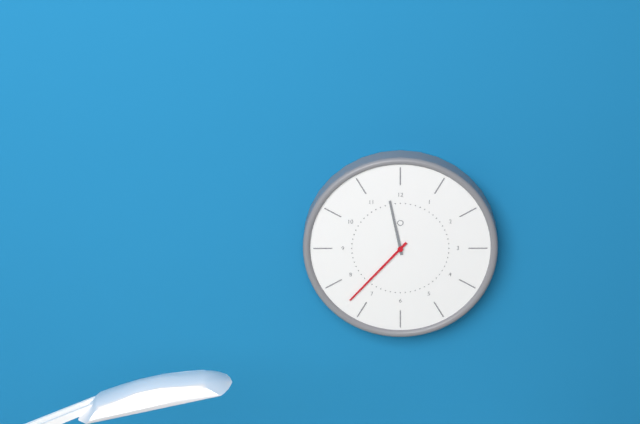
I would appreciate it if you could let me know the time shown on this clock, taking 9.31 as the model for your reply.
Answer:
11.37
